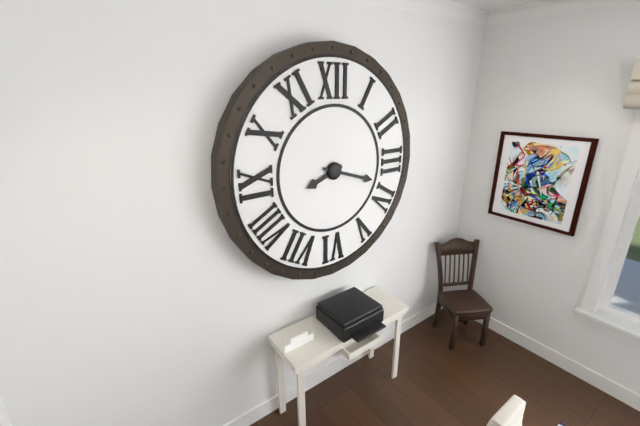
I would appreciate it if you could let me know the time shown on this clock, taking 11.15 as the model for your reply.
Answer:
8.18
